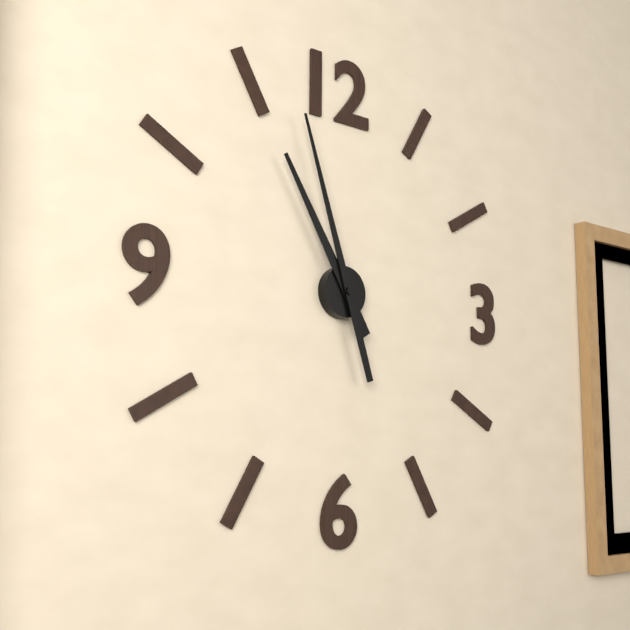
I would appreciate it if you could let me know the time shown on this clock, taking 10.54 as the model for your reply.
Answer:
10.57
